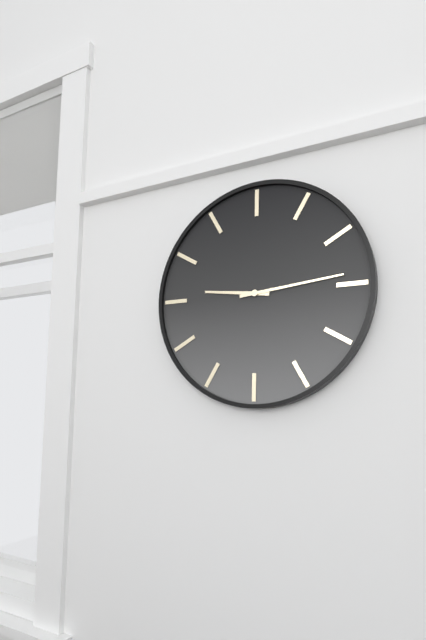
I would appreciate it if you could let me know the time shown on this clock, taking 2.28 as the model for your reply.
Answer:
9.14
